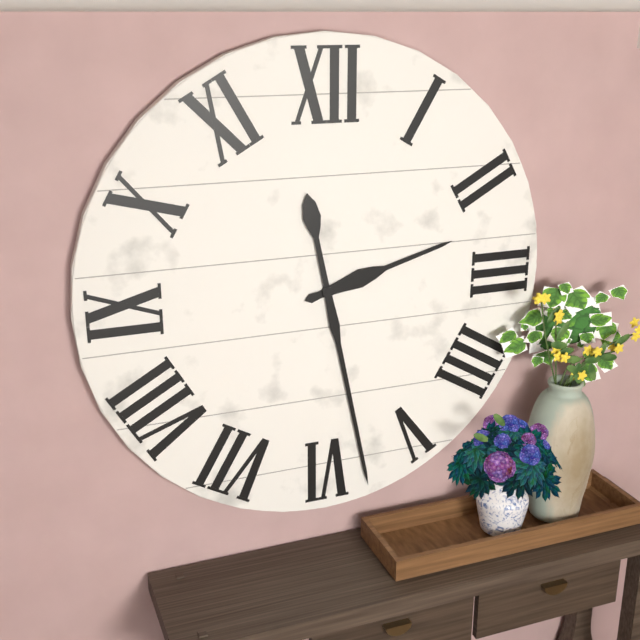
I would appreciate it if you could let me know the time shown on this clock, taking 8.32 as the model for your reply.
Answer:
2.28
